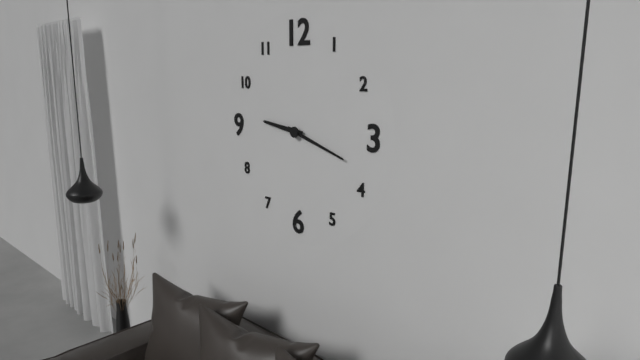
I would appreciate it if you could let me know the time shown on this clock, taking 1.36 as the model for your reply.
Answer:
9.18
